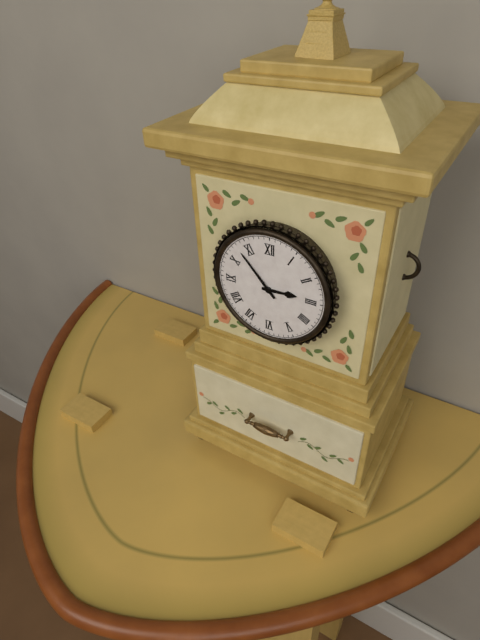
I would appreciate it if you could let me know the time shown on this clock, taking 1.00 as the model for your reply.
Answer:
2.53
